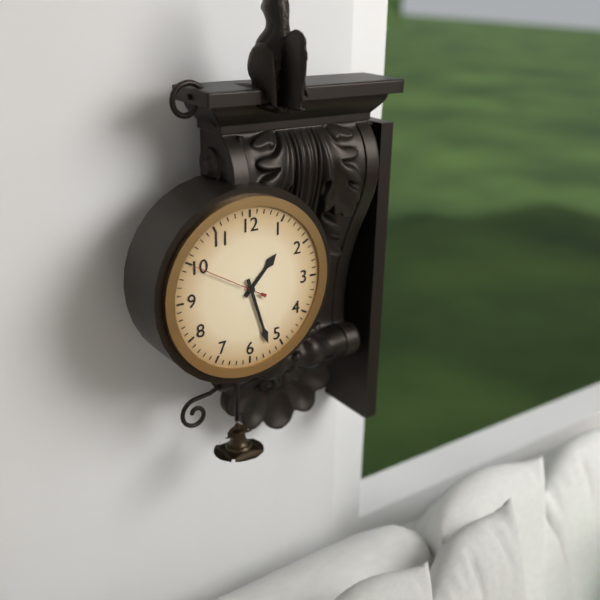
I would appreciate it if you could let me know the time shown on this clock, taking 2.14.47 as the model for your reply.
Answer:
1.27.50
